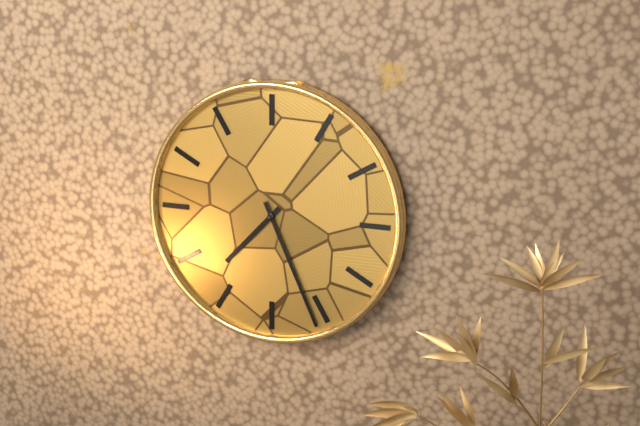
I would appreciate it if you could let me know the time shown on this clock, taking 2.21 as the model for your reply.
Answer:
7.26
